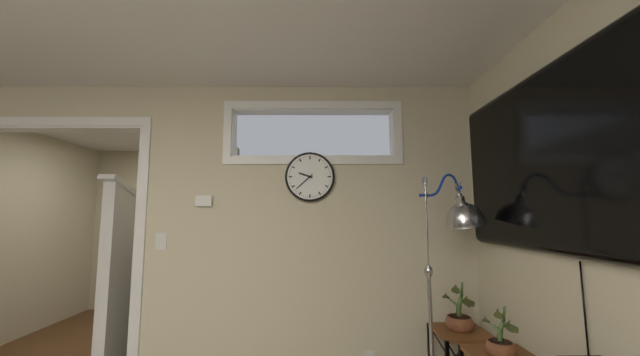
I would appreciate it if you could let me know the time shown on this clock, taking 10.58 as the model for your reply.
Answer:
9.38
